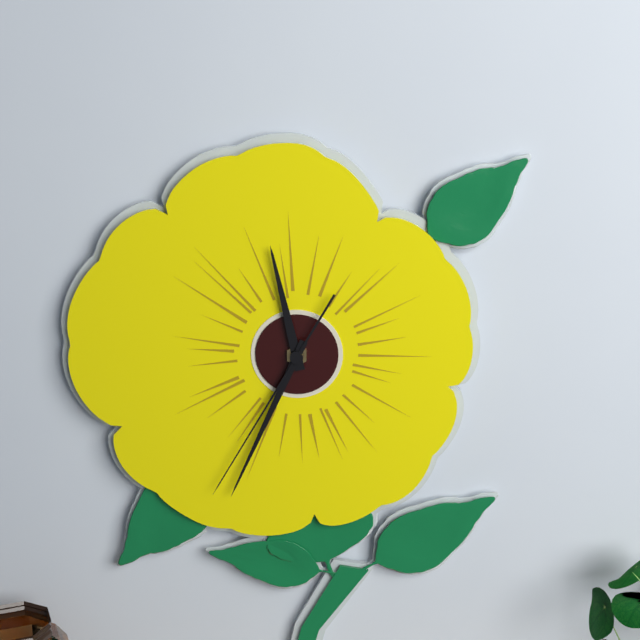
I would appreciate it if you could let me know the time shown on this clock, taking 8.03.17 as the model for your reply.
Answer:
11.34.35
